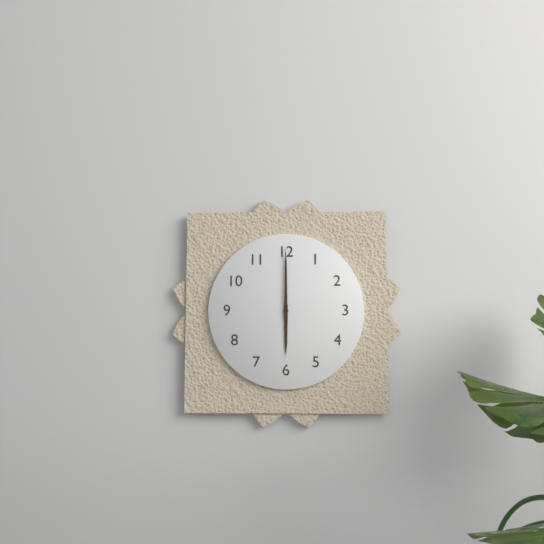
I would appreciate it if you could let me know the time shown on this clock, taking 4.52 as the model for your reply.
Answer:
6.00
